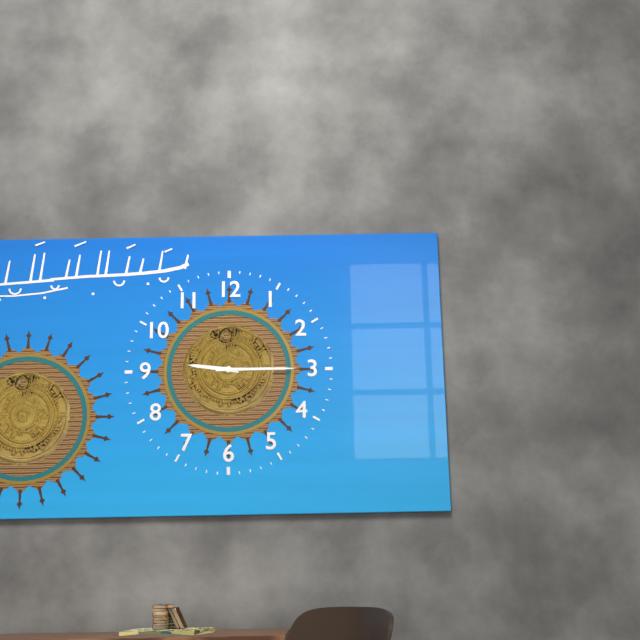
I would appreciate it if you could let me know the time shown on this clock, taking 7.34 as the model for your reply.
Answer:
9.15
